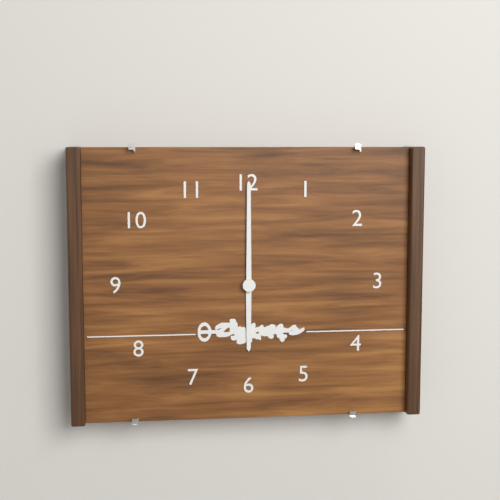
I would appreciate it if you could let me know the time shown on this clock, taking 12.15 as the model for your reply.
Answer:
6.00
